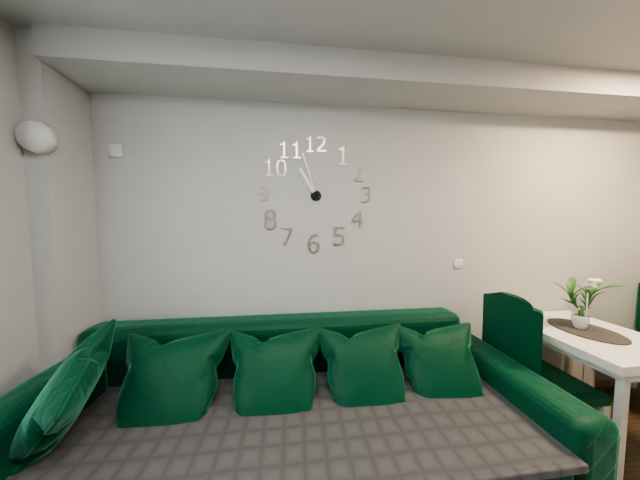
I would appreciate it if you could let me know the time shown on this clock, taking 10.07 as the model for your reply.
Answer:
10.57
